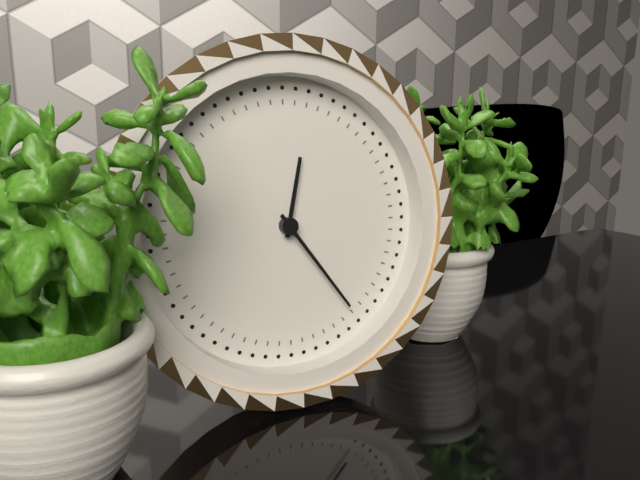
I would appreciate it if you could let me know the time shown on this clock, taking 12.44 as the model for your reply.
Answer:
12.24
